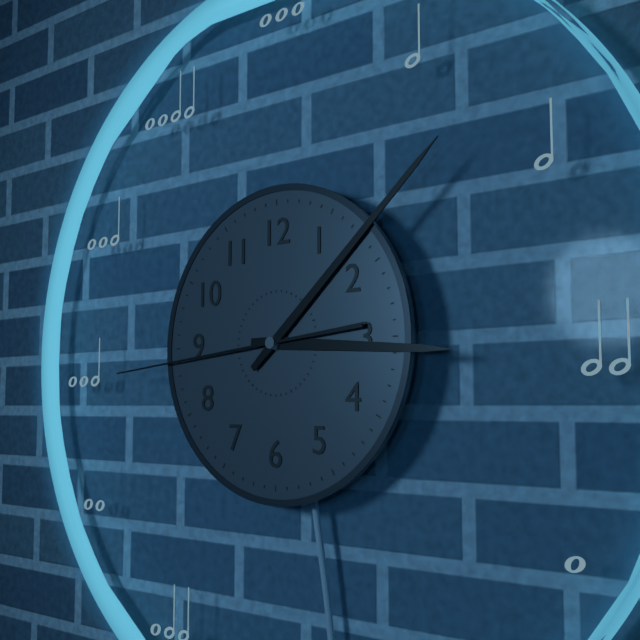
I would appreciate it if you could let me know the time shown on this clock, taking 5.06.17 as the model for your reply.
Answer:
3.08.44
